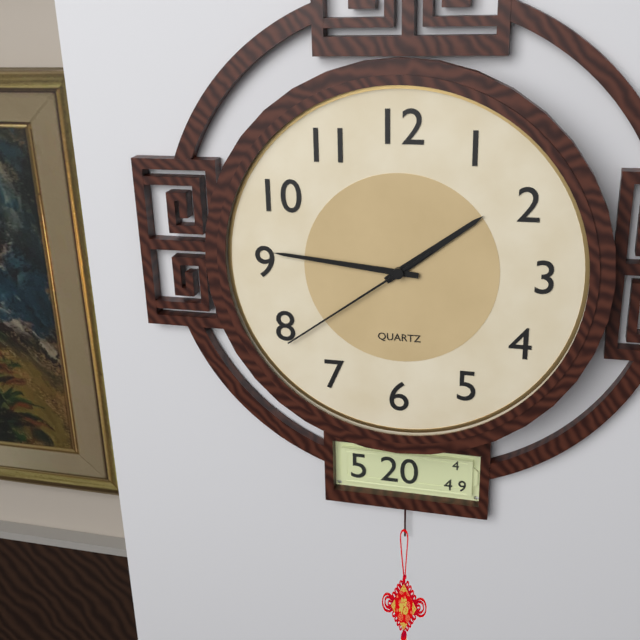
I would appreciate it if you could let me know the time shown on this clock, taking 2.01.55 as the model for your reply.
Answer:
1.46.39
